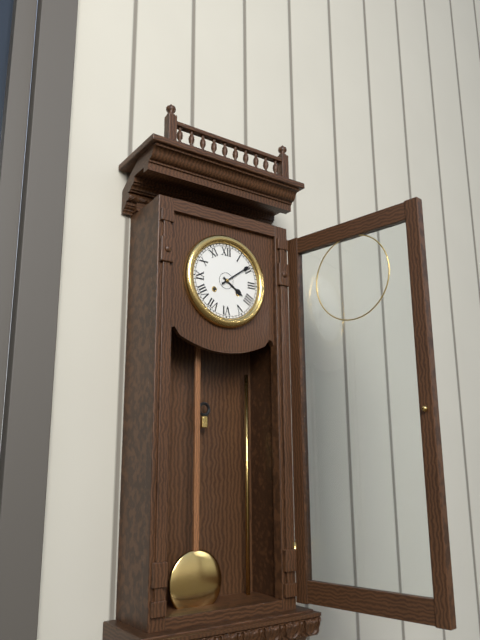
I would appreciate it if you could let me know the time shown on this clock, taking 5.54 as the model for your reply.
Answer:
4.09
